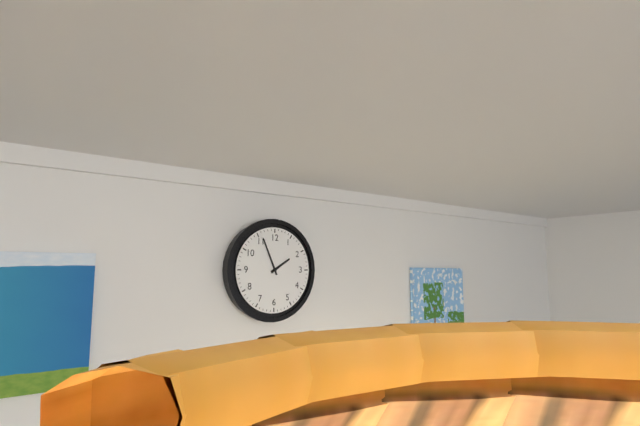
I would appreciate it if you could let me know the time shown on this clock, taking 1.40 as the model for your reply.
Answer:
1.56
